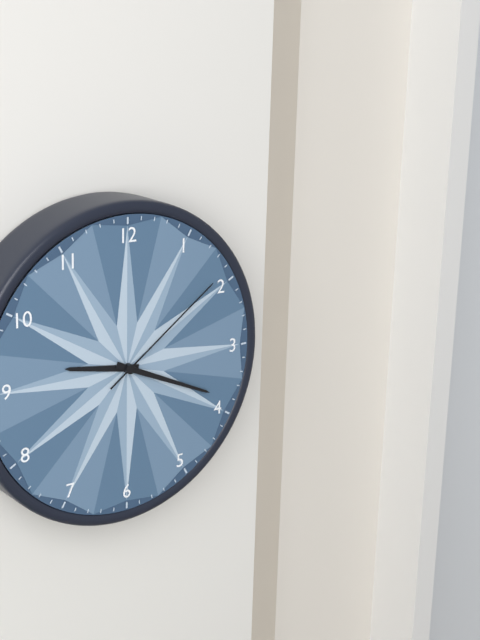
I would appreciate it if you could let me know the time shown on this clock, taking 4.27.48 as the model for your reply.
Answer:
9.19.09
